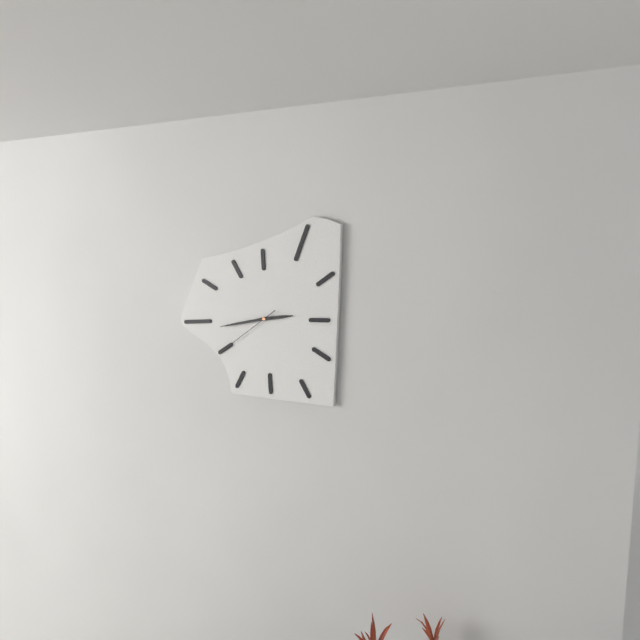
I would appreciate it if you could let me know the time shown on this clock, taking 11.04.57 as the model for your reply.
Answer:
2.43.39
